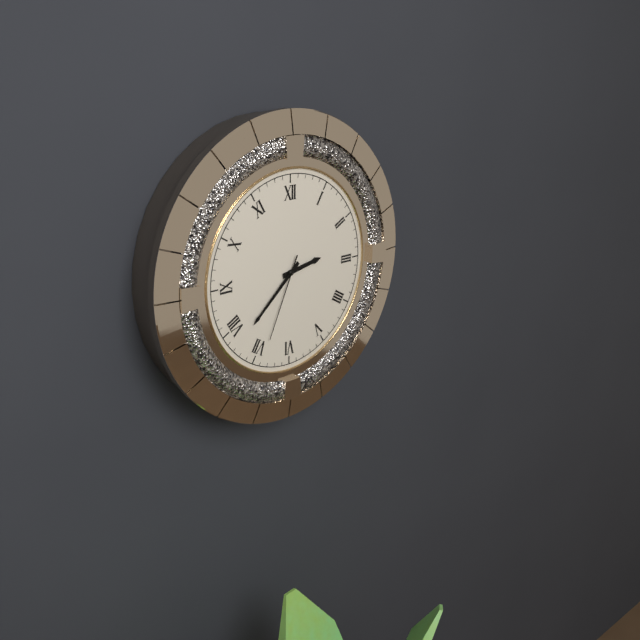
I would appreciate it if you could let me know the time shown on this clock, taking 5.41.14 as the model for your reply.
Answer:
2.38.34
